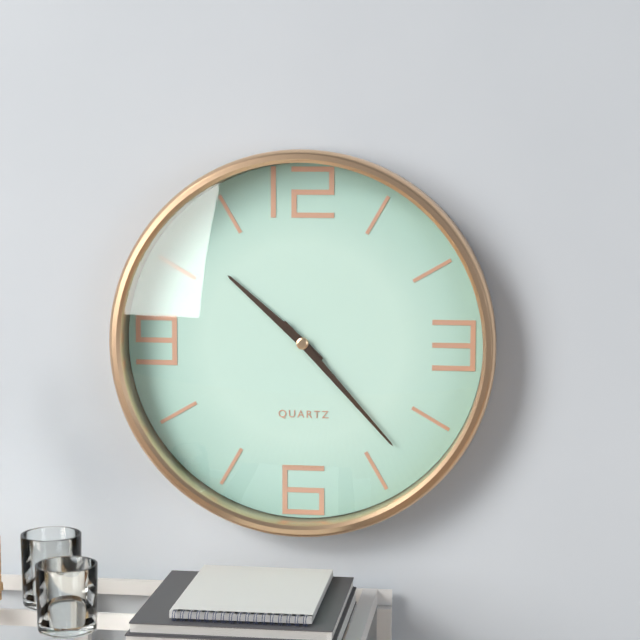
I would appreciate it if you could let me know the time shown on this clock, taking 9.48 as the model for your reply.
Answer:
10.23
